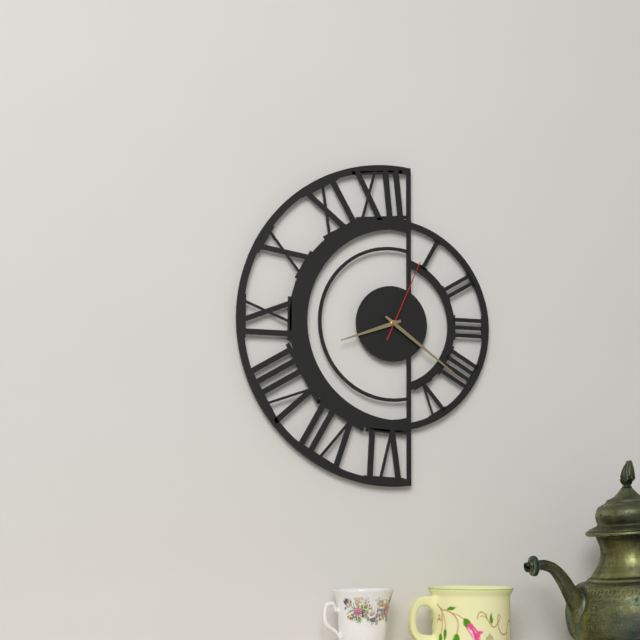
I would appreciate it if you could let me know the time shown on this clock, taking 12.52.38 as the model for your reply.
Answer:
8.21.04
